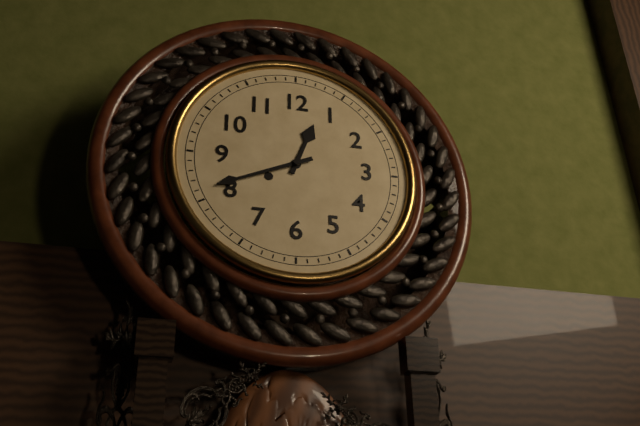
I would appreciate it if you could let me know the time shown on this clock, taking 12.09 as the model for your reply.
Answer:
12.41
